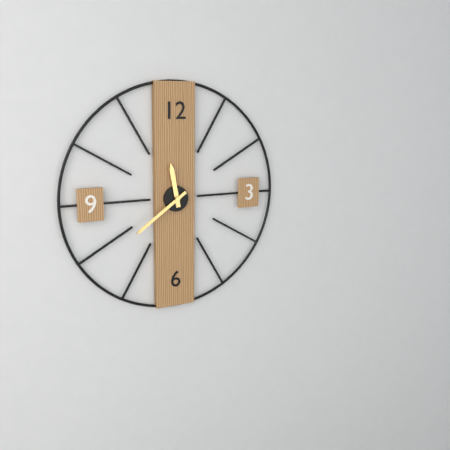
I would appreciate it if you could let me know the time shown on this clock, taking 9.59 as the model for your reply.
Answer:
11.39
